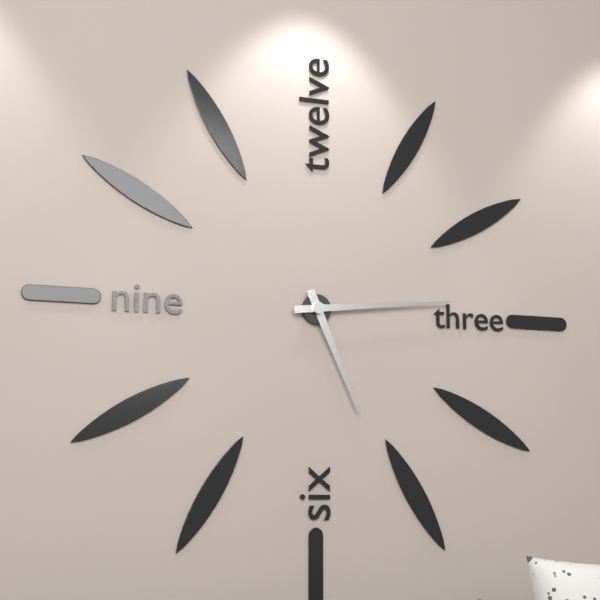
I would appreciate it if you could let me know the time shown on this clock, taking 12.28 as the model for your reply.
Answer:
5.14
